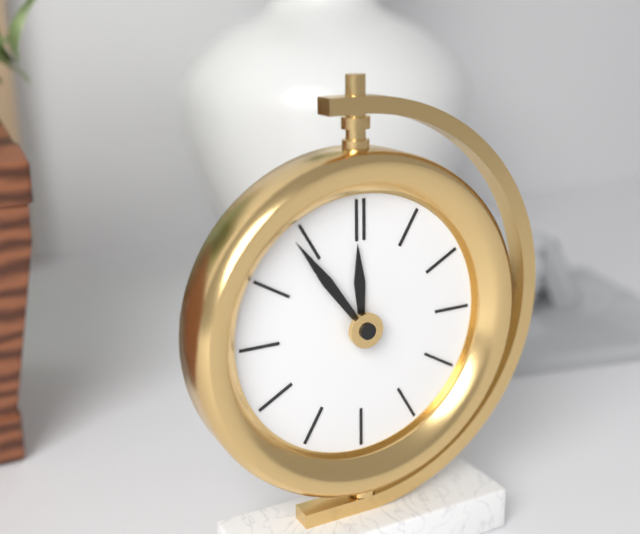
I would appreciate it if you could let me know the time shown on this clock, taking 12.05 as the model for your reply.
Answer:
11.54
